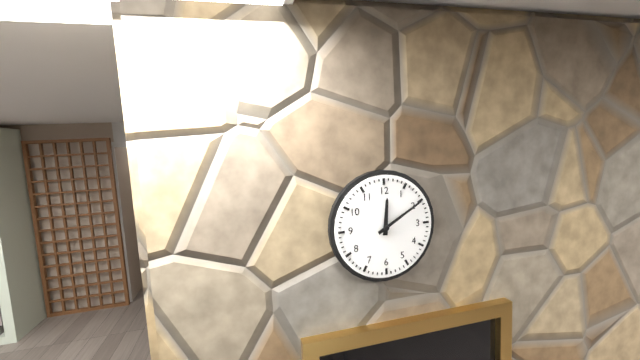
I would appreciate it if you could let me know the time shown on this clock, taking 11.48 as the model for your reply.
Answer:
12.10
